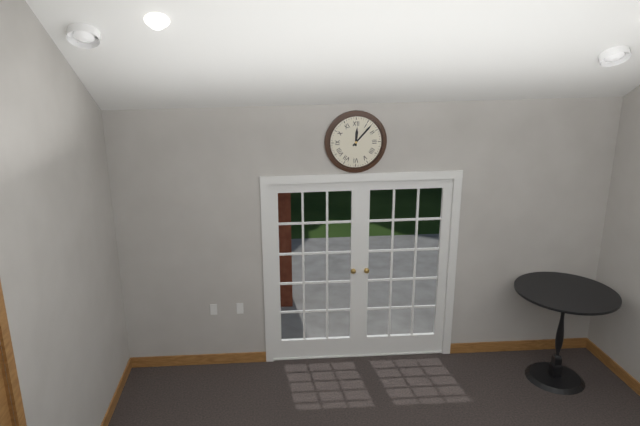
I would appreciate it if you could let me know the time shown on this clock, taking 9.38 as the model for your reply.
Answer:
12.07
